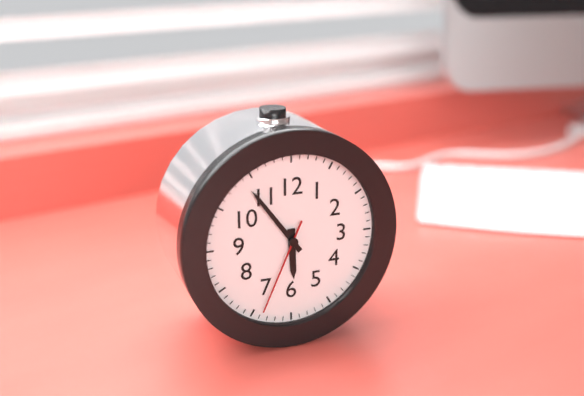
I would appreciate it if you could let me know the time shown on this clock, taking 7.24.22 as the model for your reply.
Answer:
5.54.34
